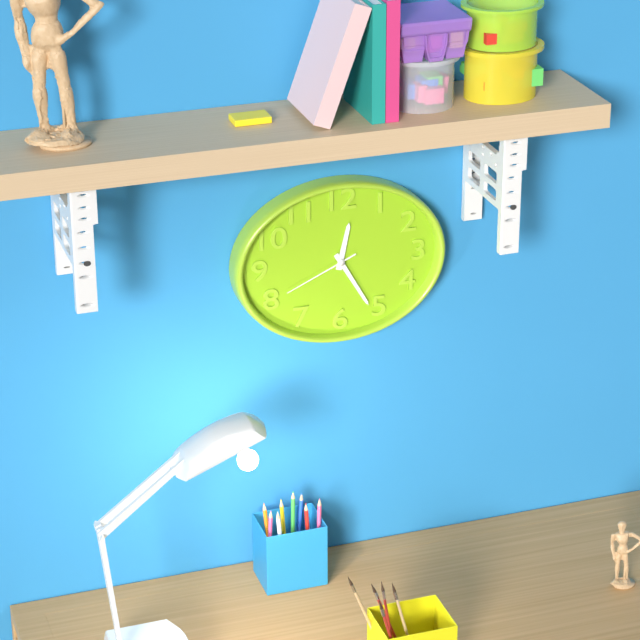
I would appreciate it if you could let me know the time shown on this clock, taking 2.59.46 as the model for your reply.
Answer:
12.25.41
